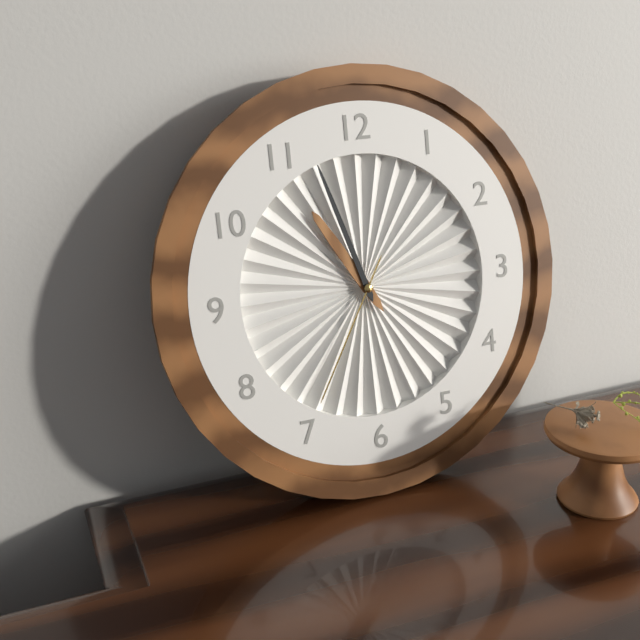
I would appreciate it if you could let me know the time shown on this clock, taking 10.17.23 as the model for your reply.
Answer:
10.57.35
